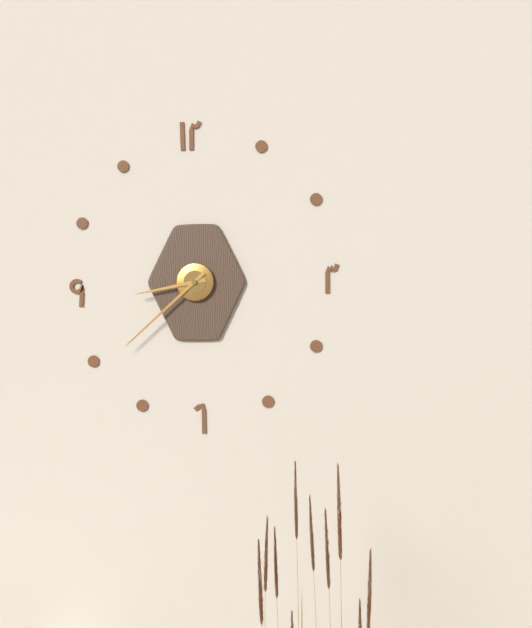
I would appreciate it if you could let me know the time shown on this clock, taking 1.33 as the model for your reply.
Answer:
8.38
